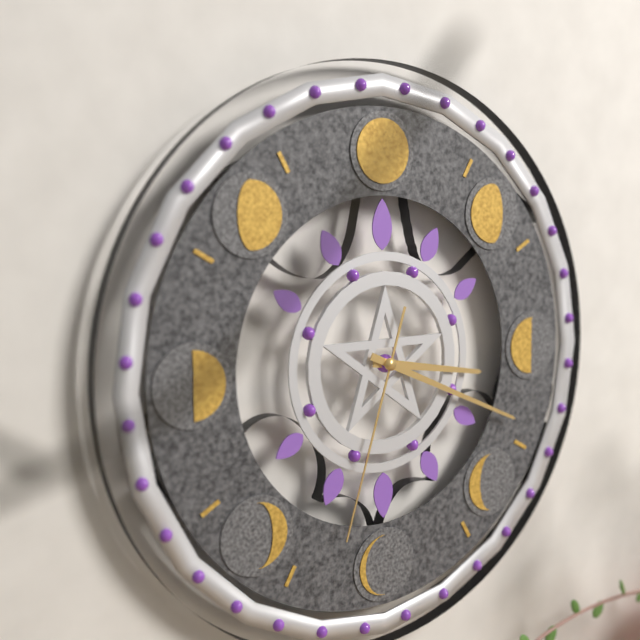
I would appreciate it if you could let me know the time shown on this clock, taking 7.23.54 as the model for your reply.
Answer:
3.19.33
